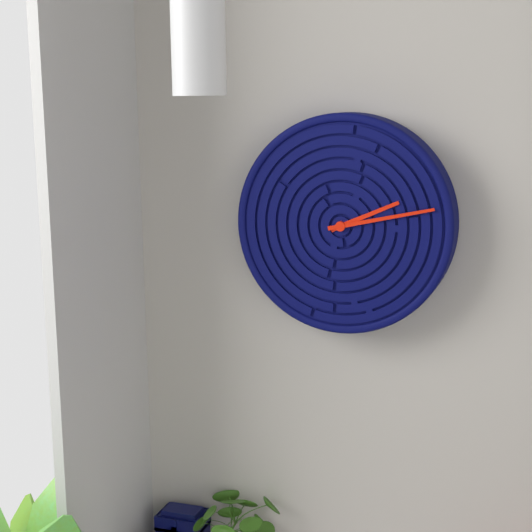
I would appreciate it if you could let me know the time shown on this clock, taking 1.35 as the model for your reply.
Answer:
2.13
